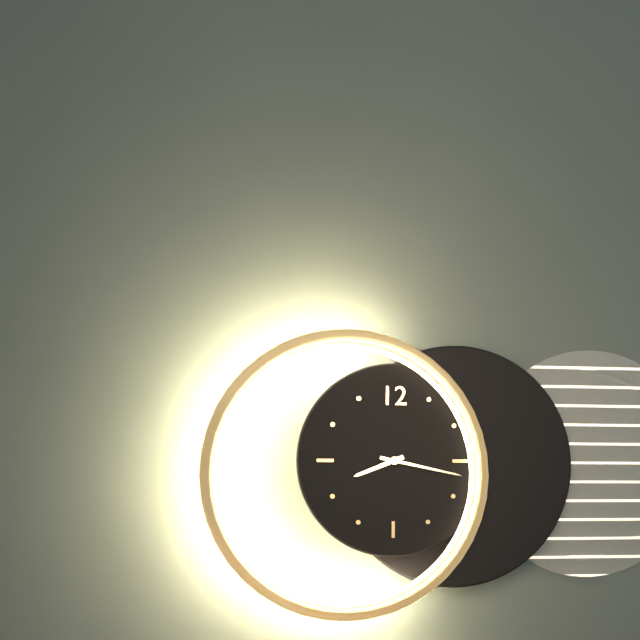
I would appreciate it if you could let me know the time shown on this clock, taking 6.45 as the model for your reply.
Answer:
8.17
